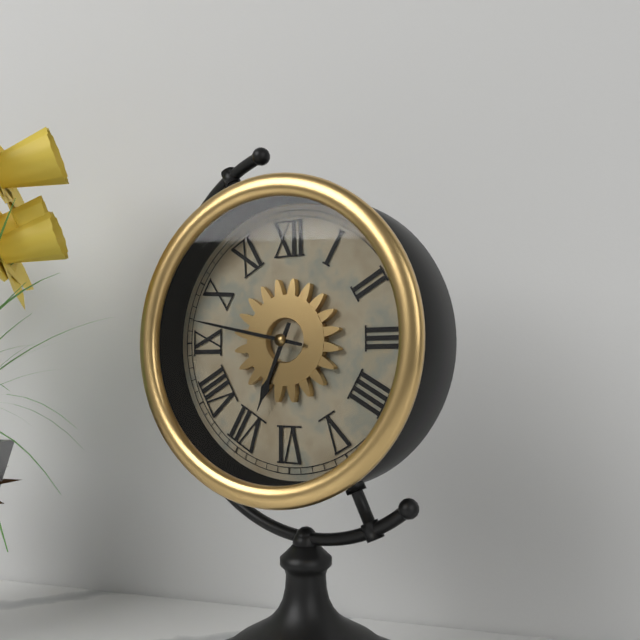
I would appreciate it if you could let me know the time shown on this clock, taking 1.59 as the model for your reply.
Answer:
6.47
